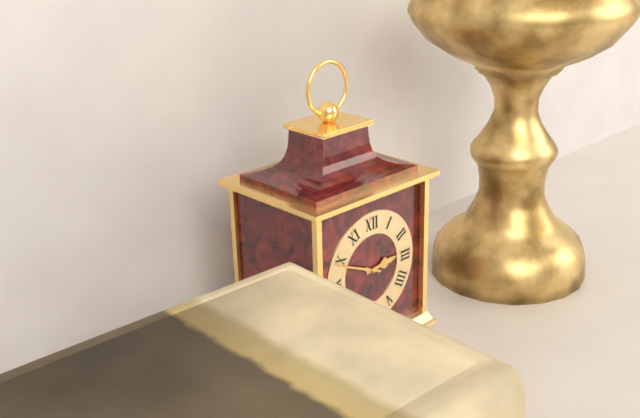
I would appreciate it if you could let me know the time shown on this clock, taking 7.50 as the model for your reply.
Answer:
2.49
